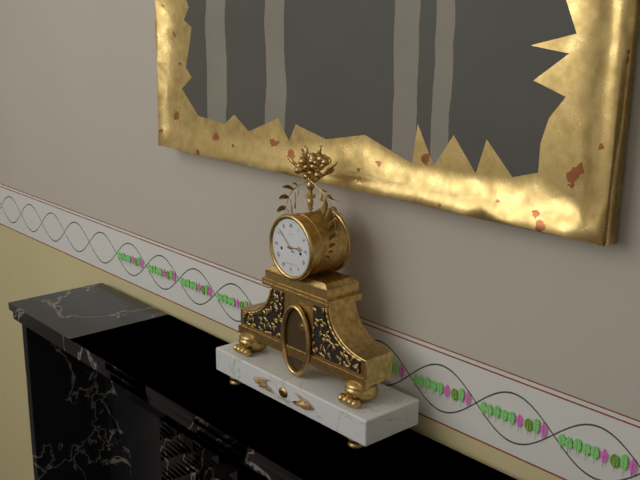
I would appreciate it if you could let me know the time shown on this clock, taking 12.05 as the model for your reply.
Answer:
2.52
